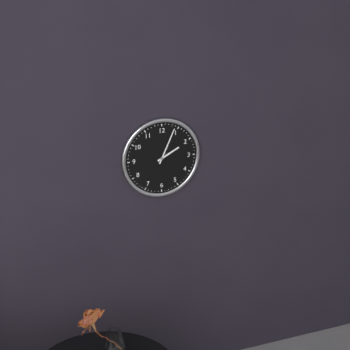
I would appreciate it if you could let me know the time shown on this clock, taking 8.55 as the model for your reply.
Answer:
2.04
